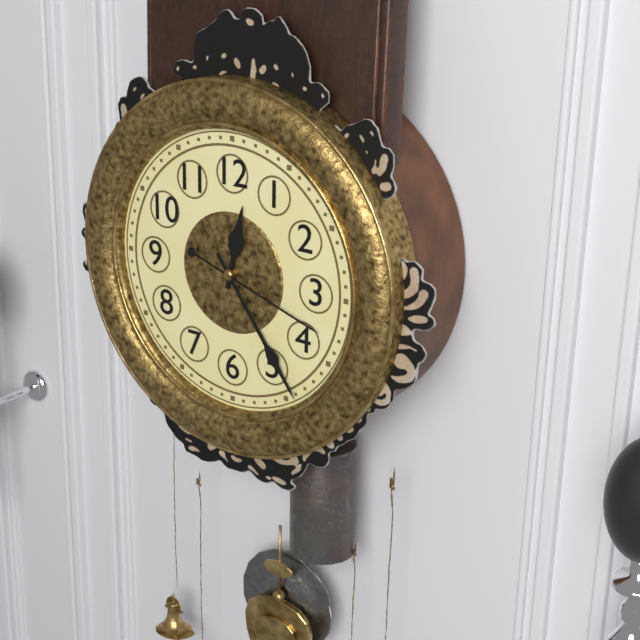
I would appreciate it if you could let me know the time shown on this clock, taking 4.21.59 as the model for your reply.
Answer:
12.24.18
